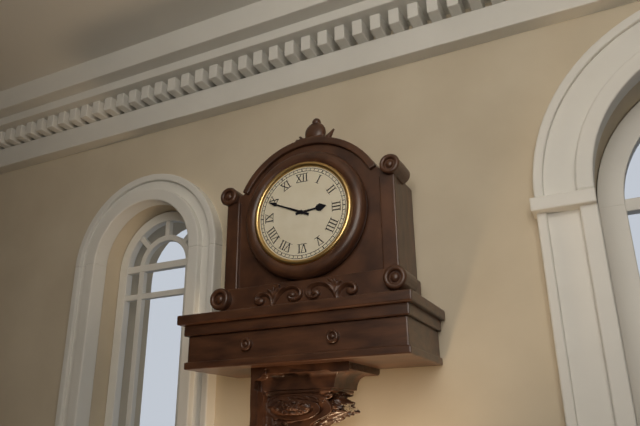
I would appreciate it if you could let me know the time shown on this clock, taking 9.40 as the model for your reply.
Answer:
2.49
